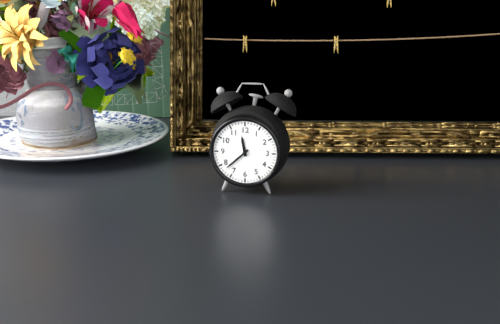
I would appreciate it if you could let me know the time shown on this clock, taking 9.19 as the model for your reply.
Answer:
11.38
